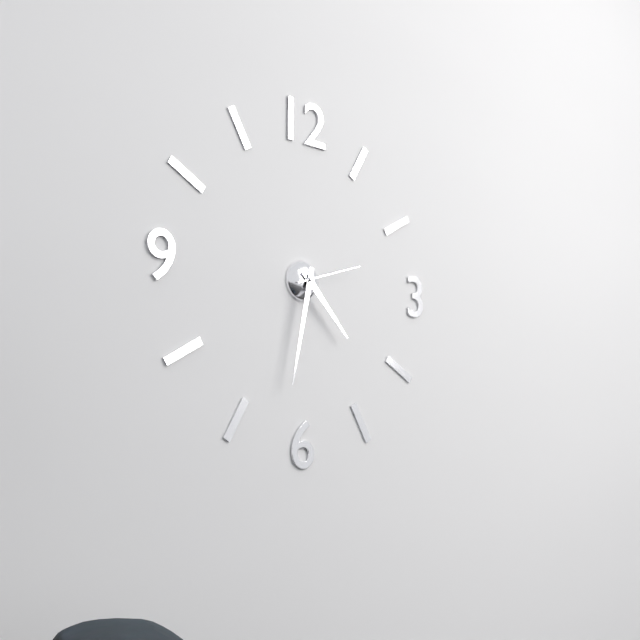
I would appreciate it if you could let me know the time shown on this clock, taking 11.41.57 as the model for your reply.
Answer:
4.32.12
